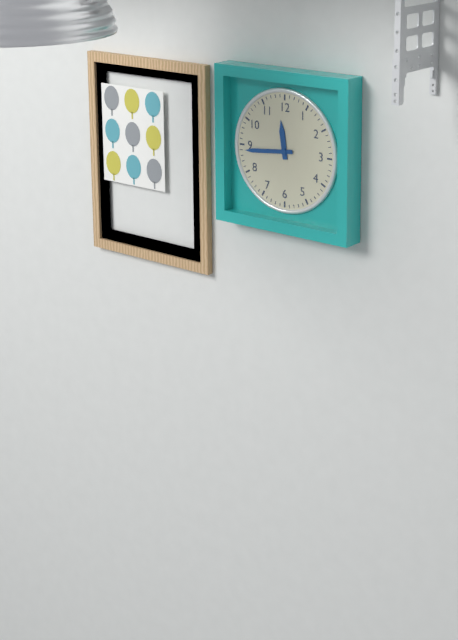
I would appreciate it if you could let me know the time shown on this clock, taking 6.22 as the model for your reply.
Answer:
11.44
